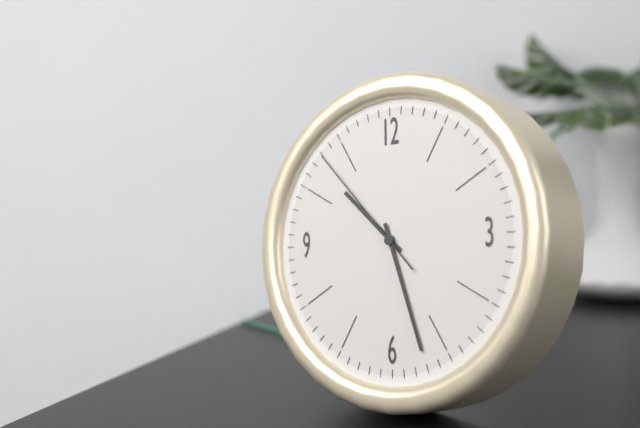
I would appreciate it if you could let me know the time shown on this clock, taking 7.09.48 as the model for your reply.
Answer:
10.27.53
